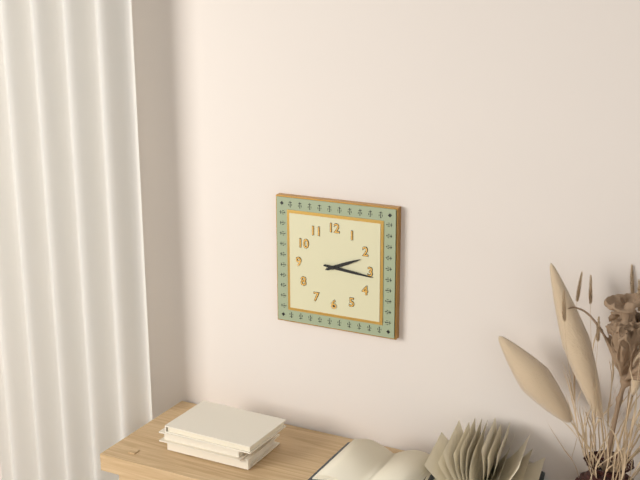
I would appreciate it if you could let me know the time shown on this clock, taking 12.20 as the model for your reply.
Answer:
2.16
